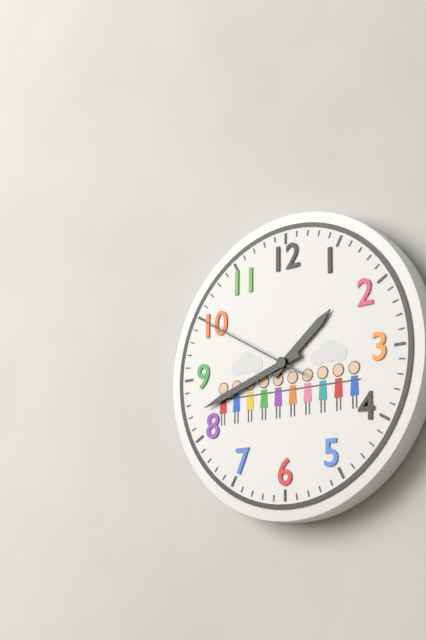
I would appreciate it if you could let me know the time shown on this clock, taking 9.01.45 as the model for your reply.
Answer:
1.42.50
